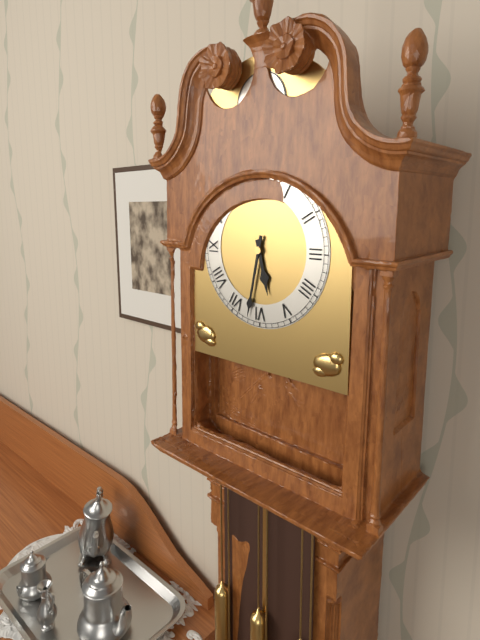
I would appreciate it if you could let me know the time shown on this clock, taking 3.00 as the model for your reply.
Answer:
5.32
